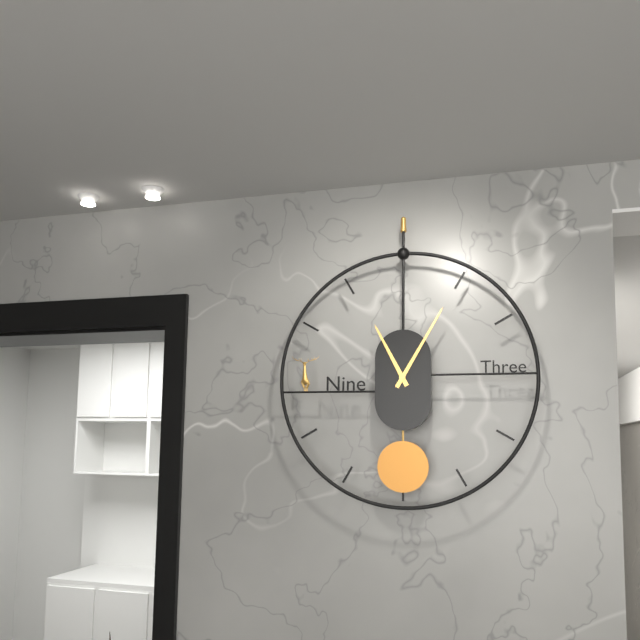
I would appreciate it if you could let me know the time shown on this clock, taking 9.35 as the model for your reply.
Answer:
11.05
